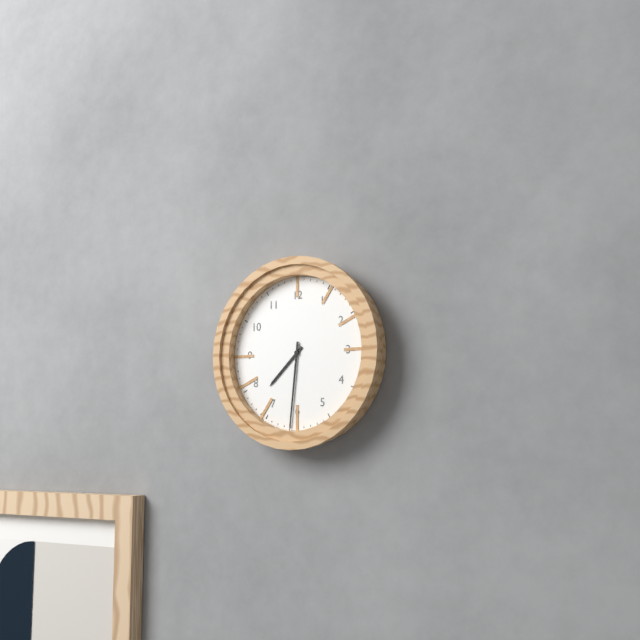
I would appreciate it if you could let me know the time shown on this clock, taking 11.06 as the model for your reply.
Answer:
7.31
